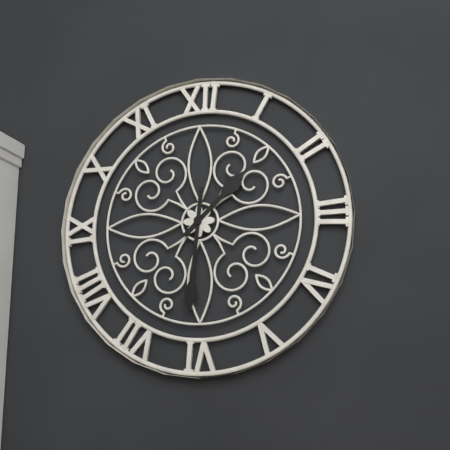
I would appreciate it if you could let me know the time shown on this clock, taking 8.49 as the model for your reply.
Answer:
1.31
